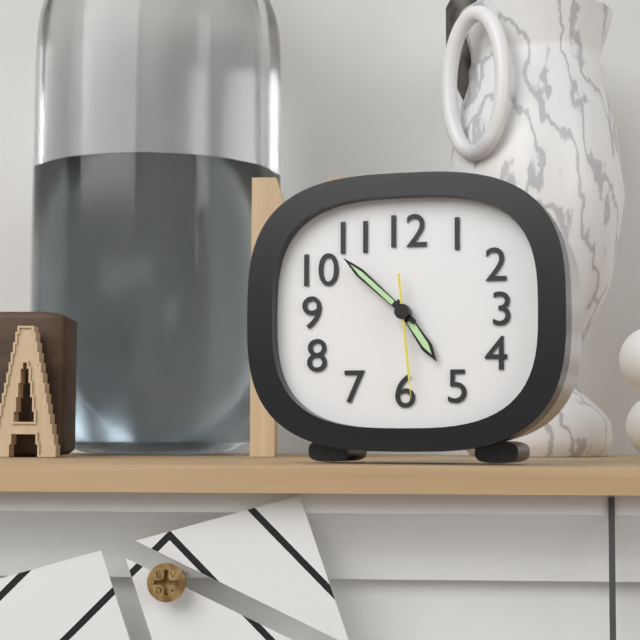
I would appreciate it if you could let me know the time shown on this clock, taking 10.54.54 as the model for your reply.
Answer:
4.52.29
